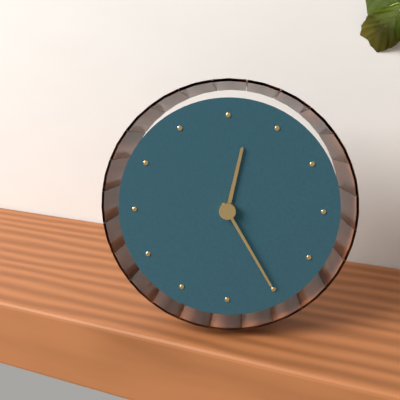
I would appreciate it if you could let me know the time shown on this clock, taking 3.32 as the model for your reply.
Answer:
12.25
